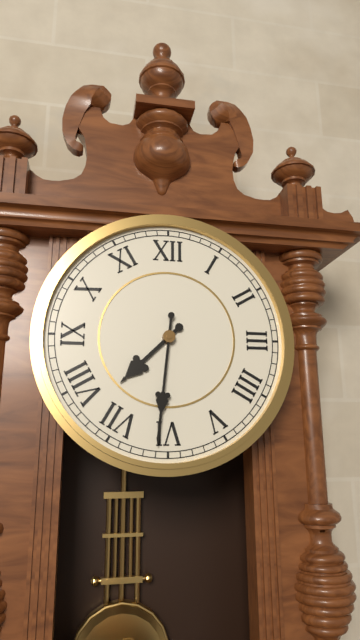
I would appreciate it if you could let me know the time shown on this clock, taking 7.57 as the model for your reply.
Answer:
7.31
